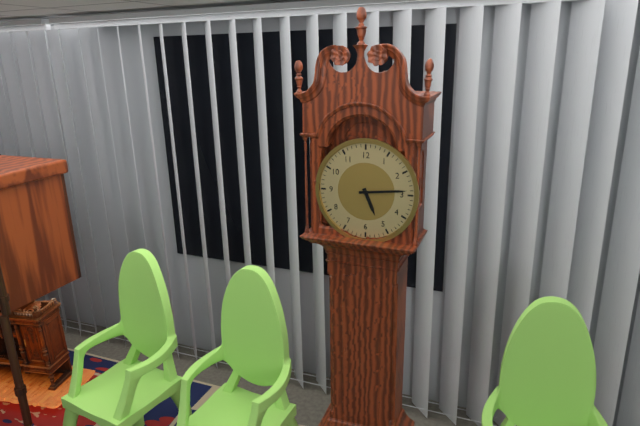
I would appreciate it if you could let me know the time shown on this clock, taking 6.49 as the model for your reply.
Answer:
5.14
